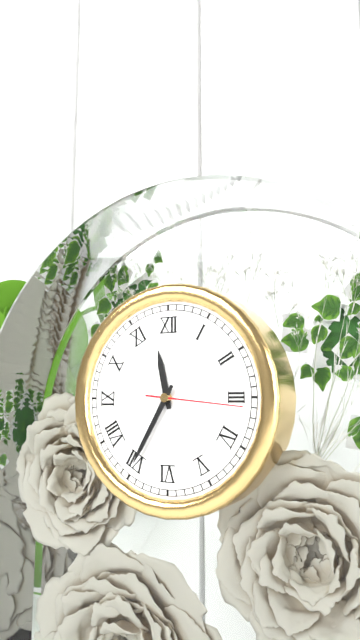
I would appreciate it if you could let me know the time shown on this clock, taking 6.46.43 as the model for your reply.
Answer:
11.35.16
